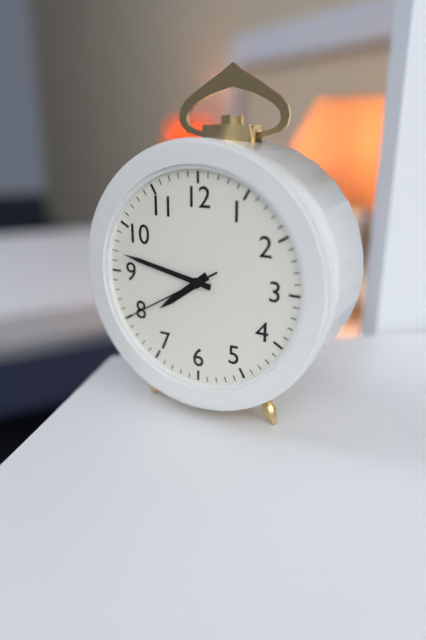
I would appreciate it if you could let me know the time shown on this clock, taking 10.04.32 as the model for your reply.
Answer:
7.47.40
